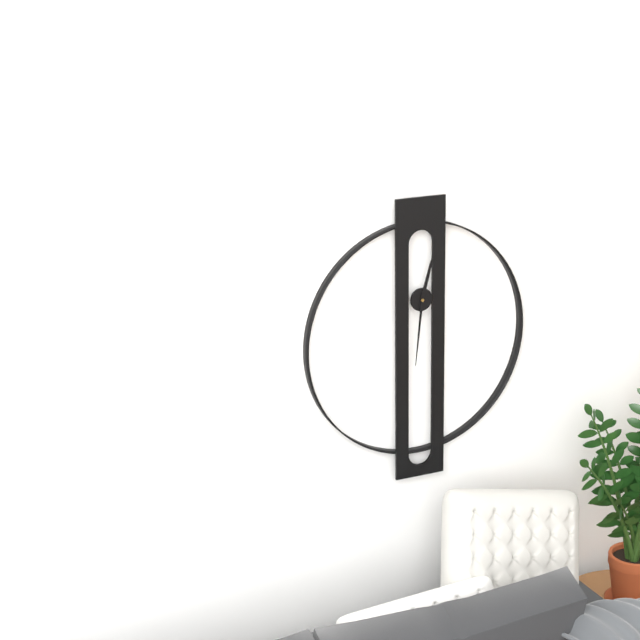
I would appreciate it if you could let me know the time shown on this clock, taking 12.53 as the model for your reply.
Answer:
12.31
